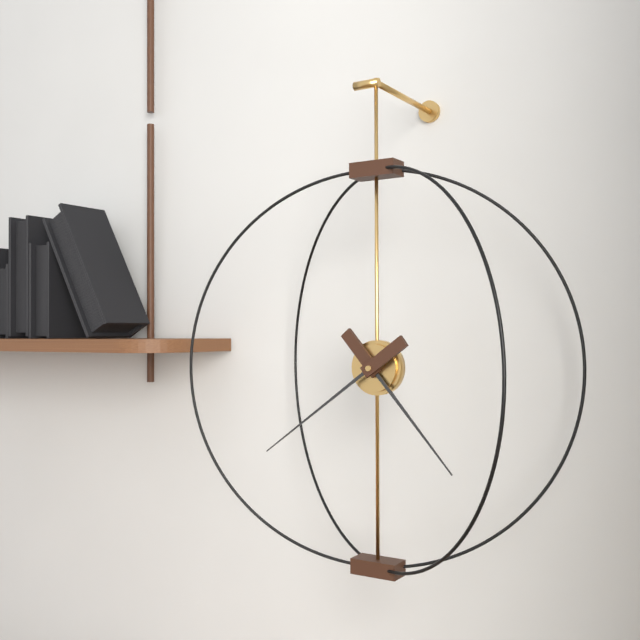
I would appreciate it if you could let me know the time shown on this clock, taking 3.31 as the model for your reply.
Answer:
4.39
